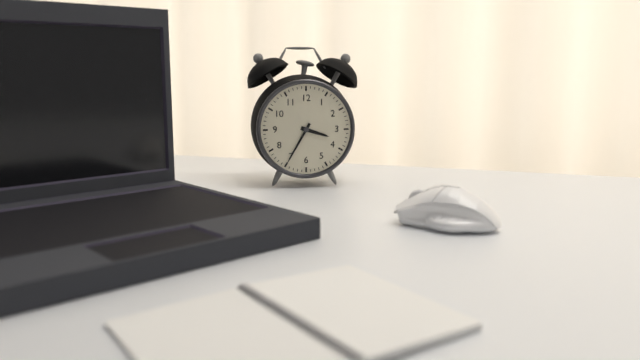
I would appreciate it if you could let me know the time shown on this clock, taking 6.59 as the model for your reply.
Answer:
3.35
